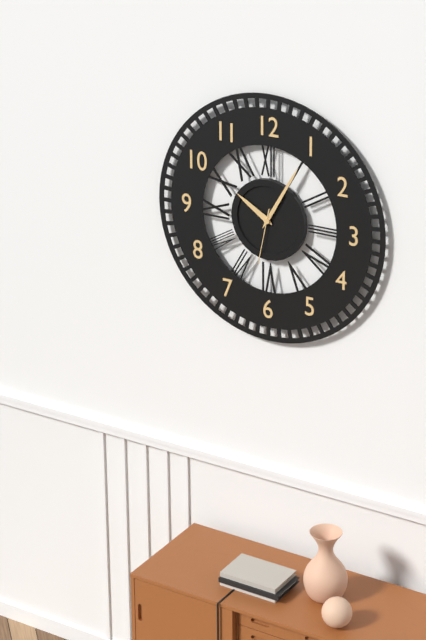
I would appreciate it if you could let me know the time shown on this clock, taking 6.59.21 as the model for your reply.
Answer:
10.05.32
